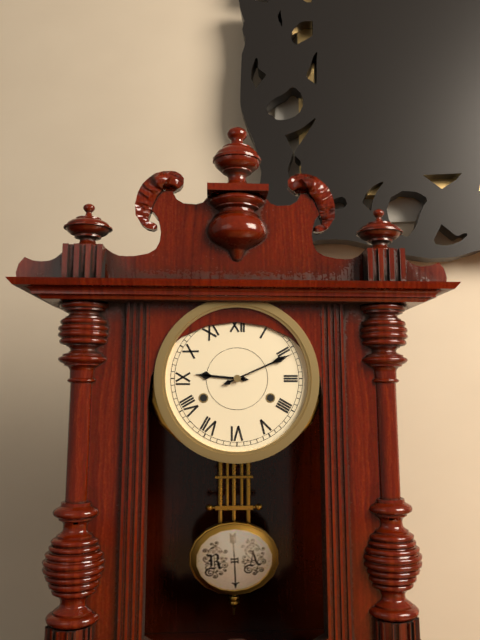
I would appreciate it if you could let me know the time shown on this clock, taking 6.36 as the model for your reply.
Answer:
9.11
